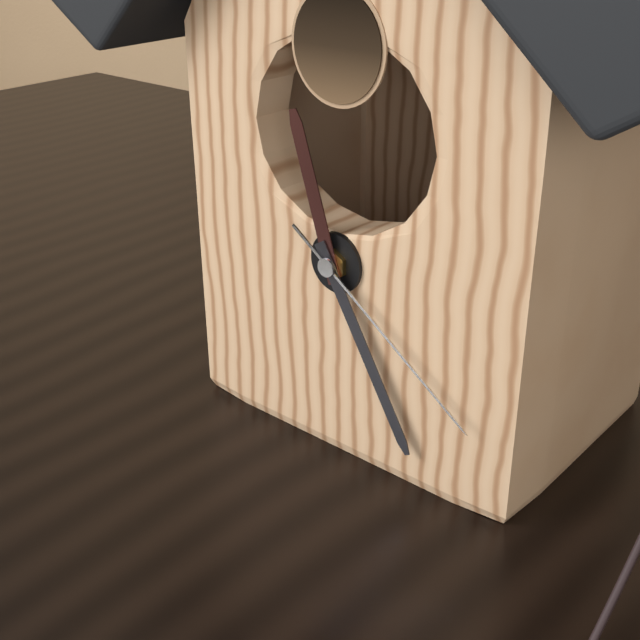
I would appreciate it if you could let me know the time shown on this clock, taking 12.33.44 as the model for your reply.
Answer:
11.25.21
